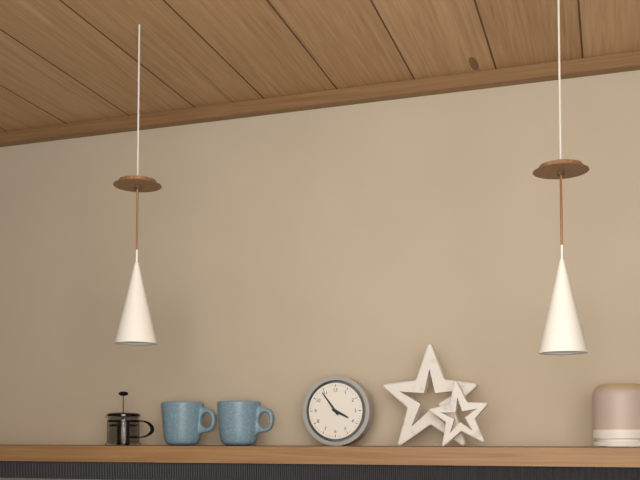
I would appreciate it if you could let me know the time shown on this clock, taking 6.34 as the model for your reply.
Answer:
3.54
